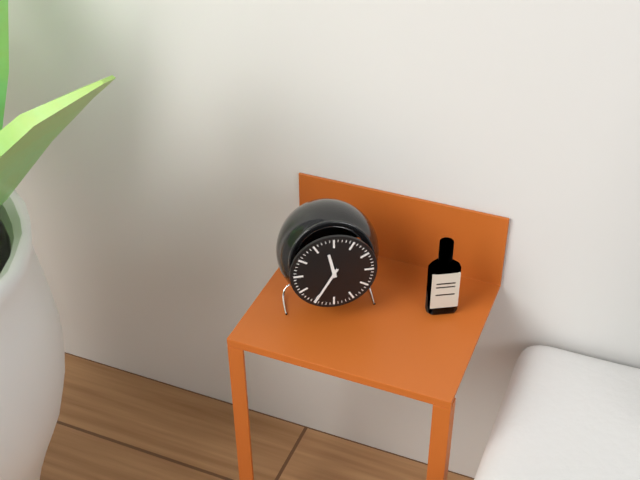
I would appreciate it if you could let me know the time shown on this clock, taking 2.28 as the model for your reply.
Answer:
11.35
